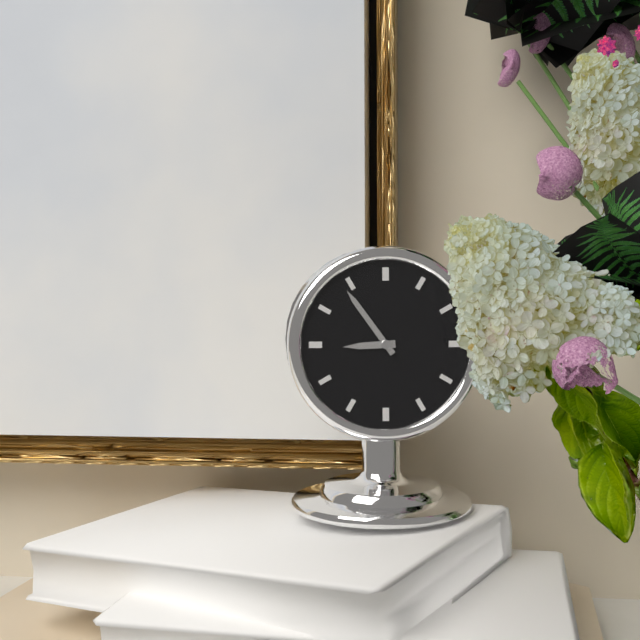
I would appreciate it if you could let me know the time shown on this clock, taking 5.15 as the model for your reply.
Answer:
8.54
